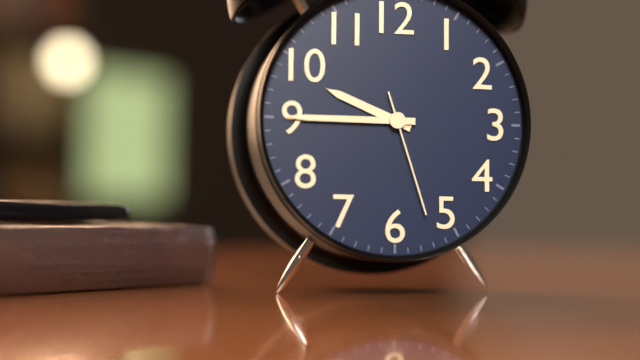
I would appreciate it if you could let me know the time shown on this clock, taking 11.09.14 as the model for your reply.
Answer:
9.45.27
